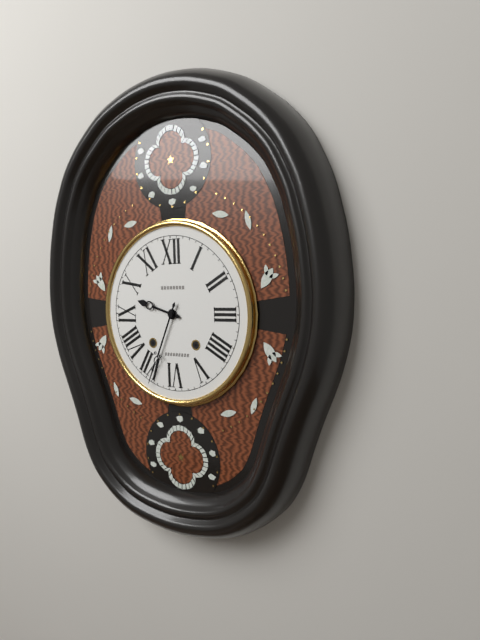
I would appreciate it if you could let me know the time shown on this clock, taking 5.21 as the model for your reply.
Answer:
9.34
